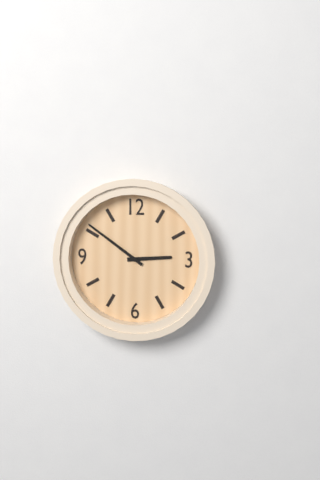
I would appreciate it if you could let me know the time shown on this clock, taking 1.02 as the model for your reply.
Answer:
2.51
